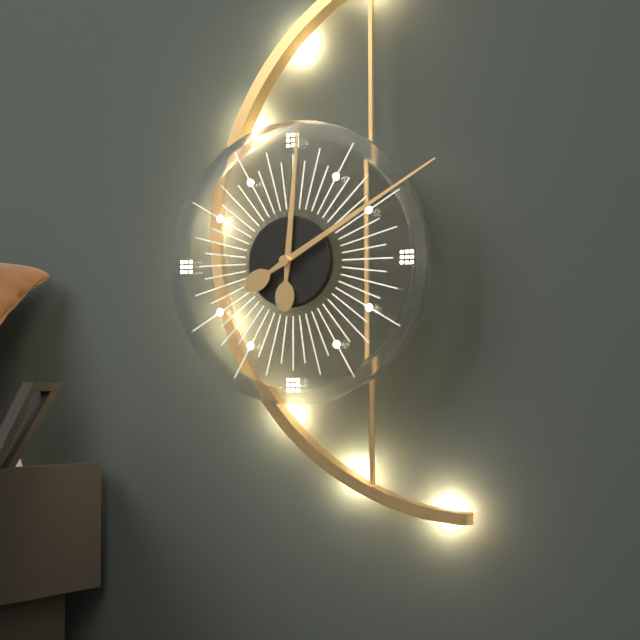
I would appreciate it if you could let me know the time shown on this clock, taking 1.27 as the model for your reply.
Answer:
12.10
